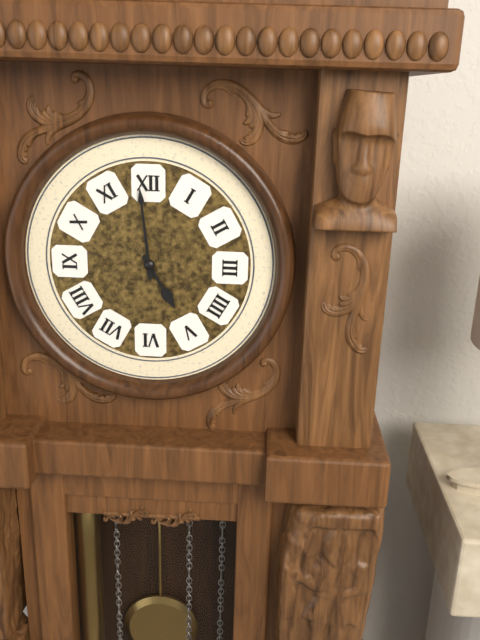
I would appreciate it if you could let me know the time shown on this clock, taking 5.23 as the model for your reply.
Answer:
4.59
